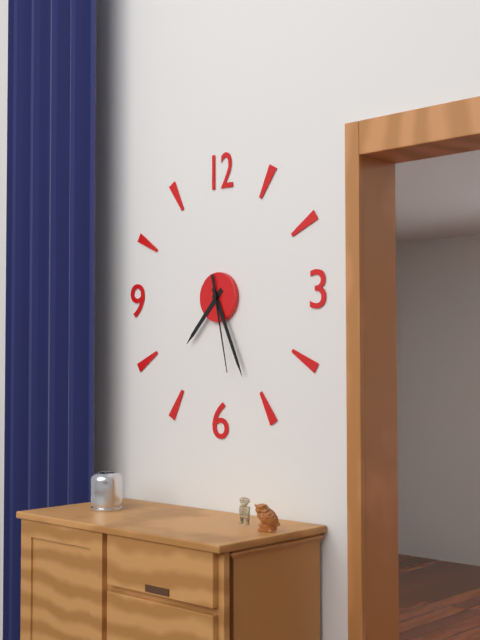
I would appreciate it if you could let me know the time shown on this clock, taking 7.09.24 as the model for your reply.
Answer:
7.26.28
